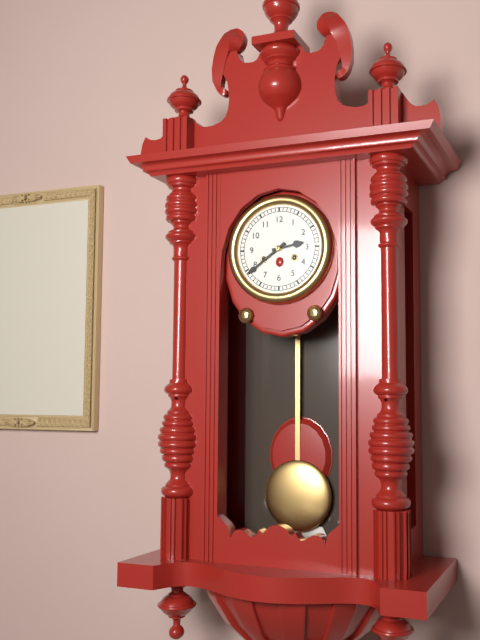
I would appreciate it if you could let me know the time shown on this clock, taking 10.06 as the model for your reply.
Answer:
2.39
